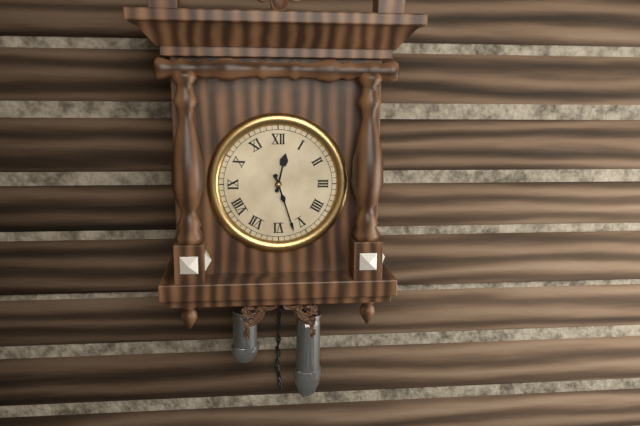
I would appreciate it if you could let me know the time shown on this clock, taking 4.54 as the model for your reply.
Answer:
12.27
